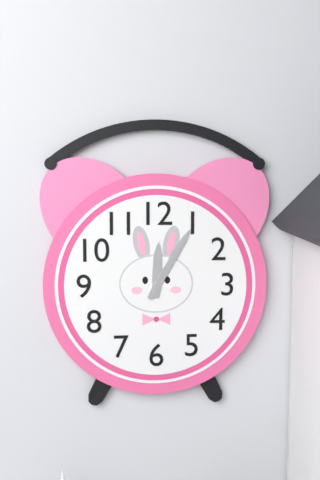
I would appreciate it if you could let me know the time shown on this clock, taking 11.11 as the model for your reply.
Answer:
12.05
